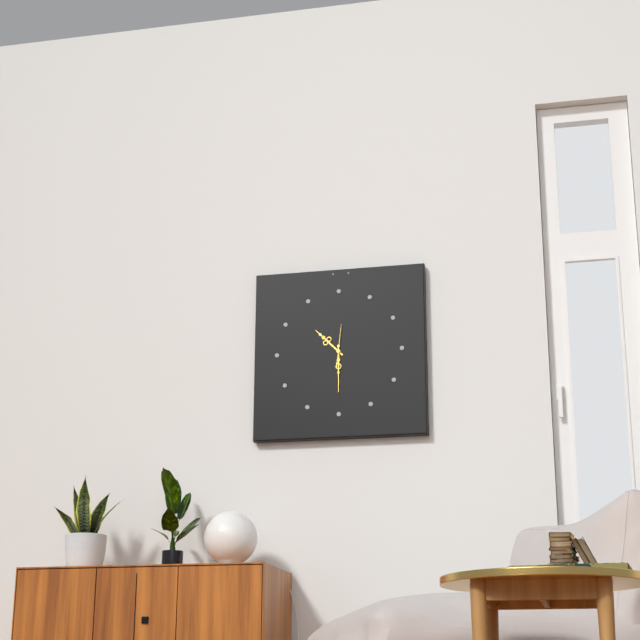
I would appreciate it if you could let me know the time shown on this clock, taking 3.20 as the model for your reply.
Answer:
10.30
